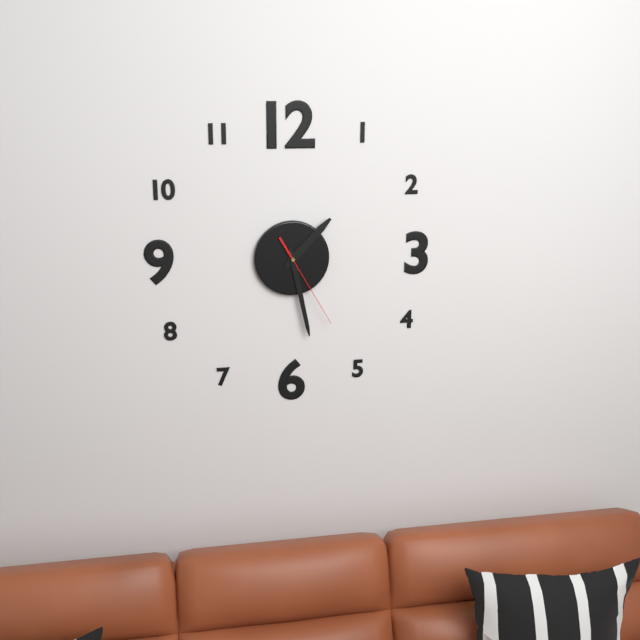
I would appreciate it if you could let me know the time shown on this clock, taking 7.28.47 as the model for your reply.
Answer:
1.28.25
